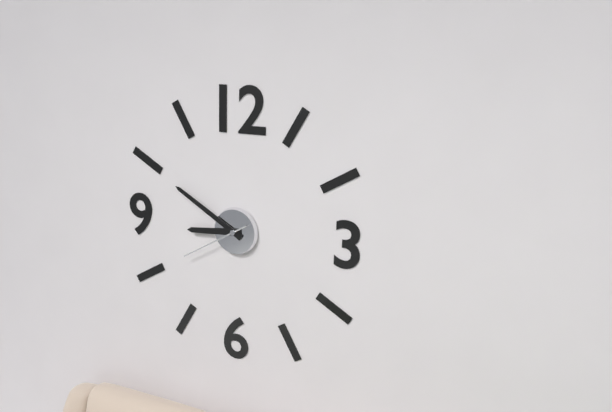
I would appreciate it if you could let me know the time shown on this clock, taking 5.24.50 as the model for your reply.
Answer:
8.50.40
